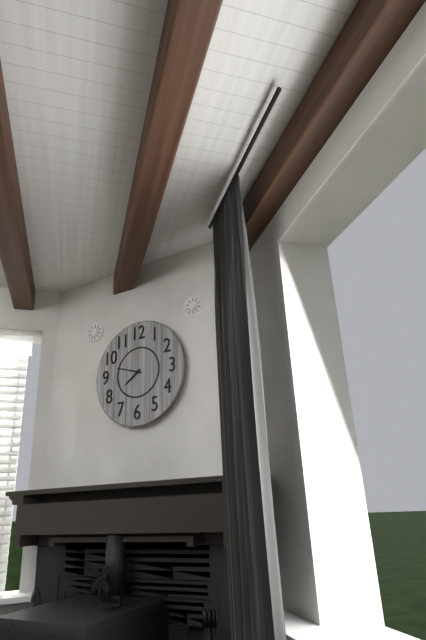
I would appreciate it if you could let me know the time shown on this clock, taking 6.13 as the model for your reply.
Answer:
7.48
